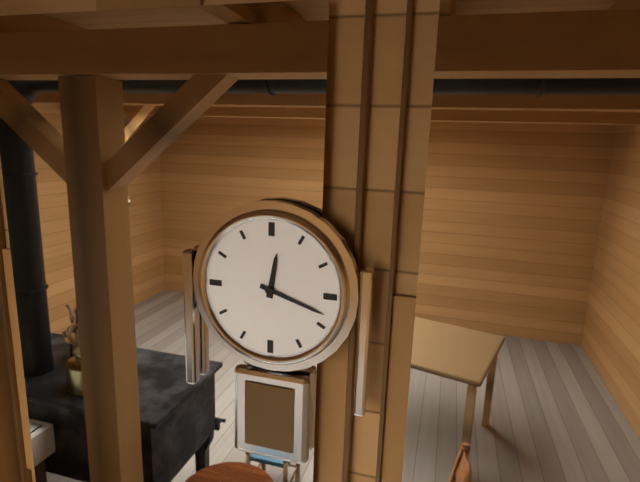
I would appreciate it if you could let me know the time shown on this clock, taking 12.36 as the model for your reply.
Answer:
12.18
